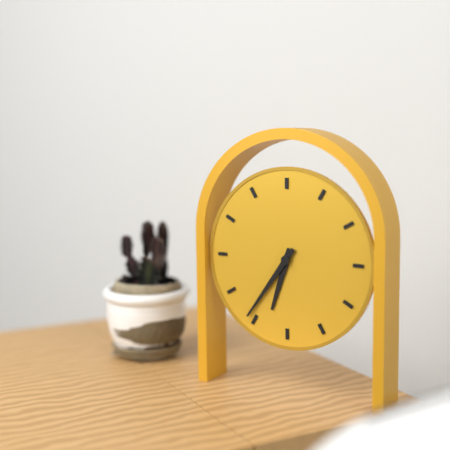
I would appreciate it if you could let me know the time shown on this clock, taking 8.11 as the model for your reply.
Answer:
6.36
